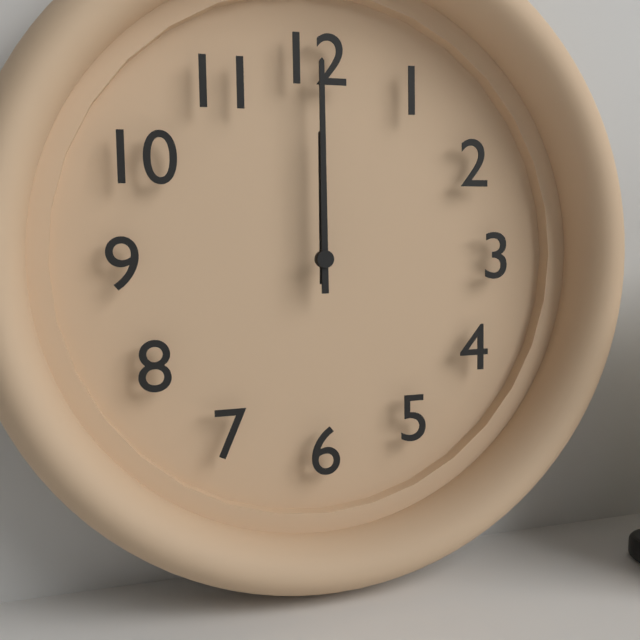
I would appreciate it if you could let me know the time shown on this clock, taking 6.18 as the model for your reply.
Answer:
12.00
